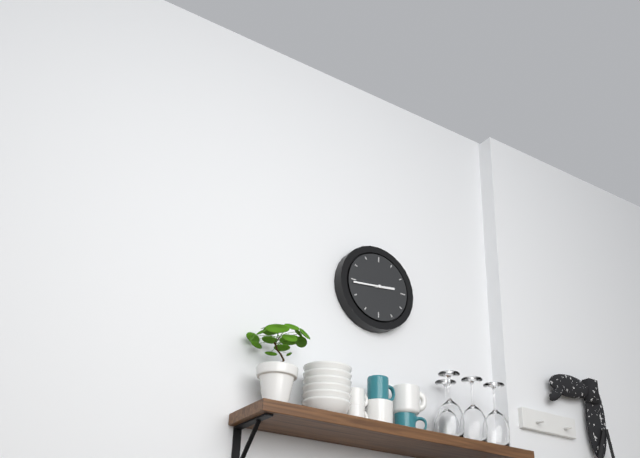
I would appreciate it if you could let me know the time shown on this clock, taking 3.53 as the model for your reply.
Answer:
2.44
